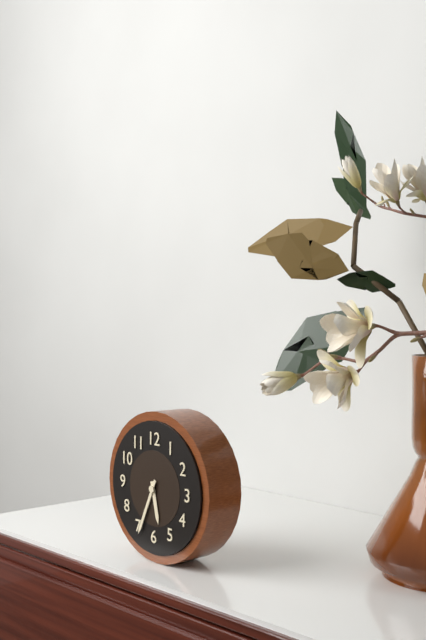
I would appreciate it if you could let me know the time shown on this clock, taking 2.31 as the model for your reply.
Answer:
5.34
